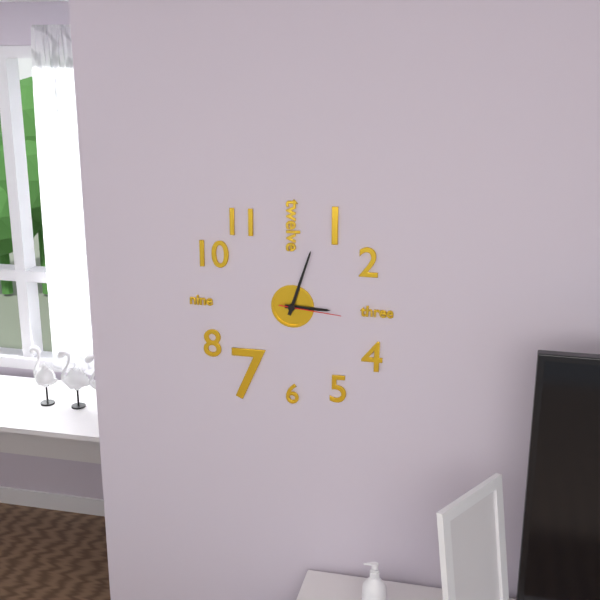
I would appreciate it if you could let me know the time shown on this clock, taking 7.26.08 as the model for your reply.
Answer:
3.03.16
